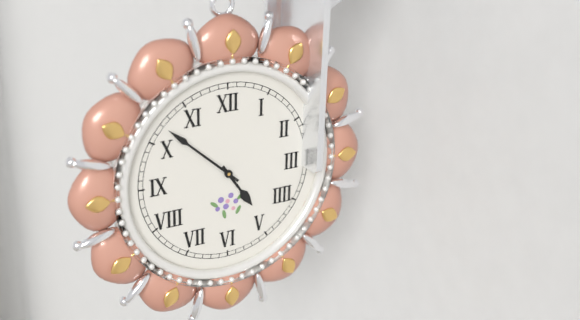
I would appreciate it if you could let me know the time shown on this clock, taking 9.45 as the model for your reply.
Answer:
4.52
